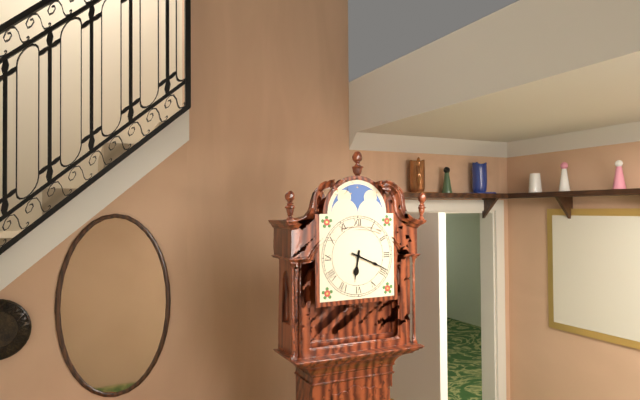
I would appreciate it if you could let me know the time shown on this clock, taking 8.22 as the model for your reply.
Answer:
6.19
